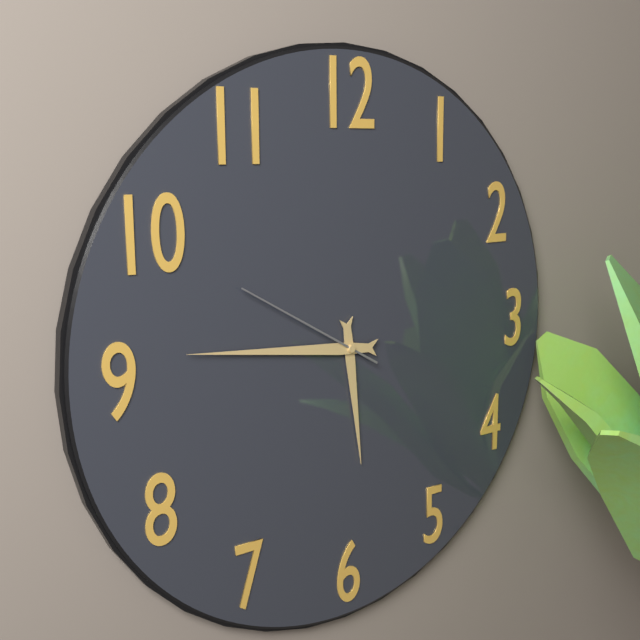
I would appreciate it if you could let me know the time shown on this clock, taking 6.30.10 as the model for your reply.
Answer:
5.46.50
